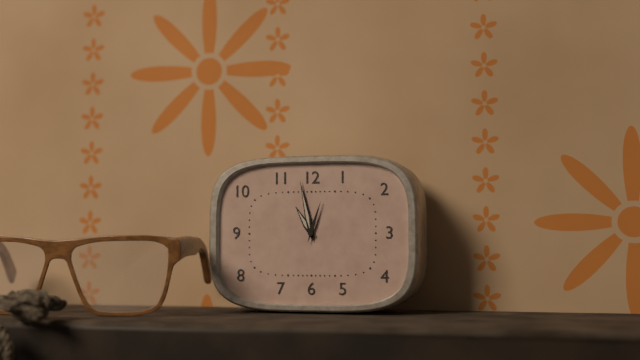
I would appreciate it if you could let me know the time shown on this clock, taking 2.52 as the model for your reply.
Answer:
10.58
